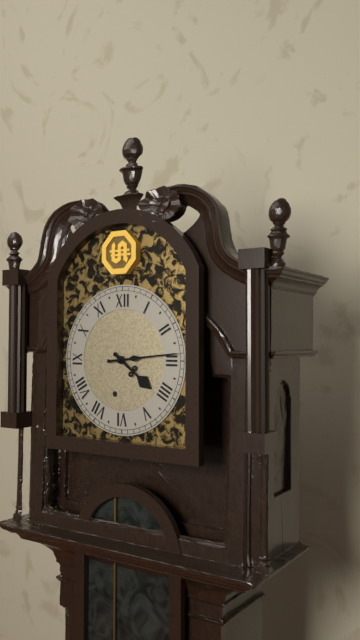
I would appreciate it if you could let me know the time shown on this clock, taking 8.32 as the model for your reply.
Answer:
4.14
